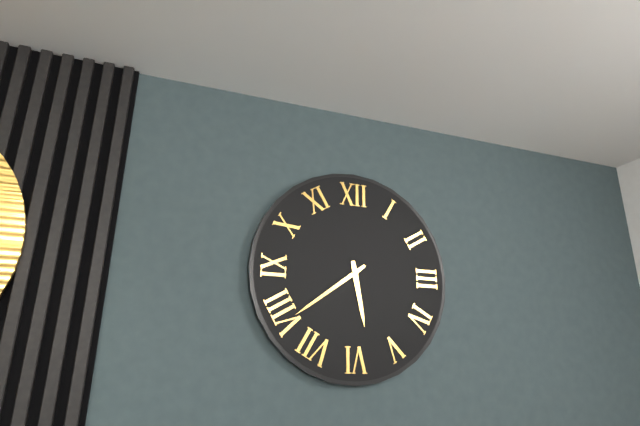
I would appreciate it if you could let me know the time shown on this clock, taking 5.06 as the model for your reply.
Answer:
5.39
